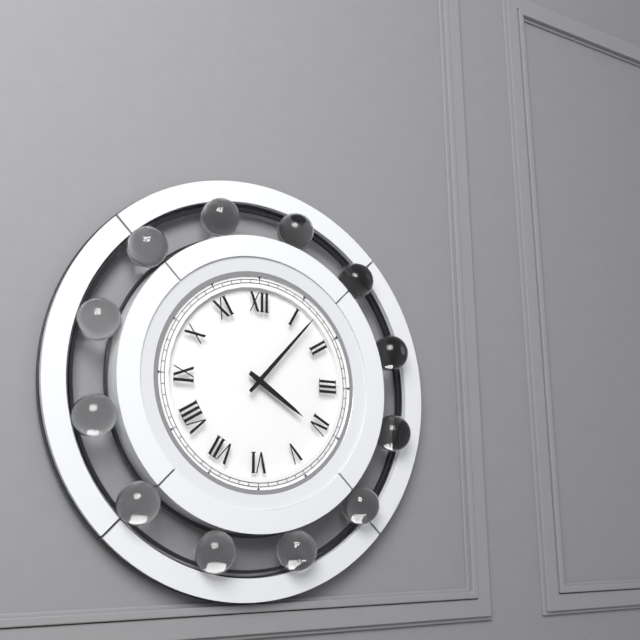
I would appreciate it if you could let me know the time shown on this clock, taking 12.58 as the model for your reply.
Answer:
4.07
